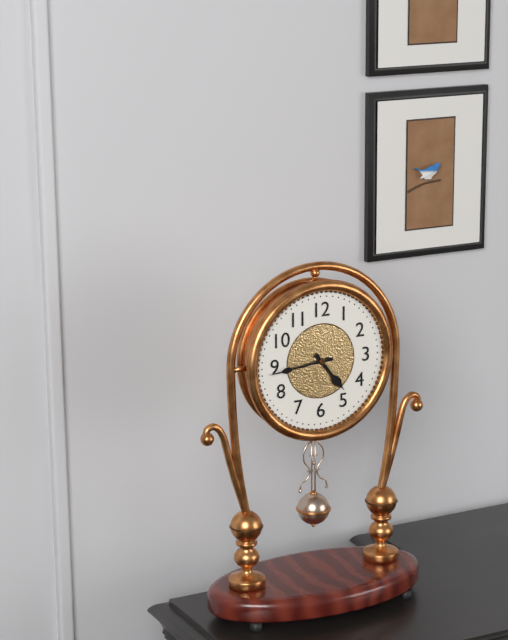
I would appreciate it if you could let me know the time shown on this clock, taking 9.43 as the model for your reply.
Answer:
4.44
